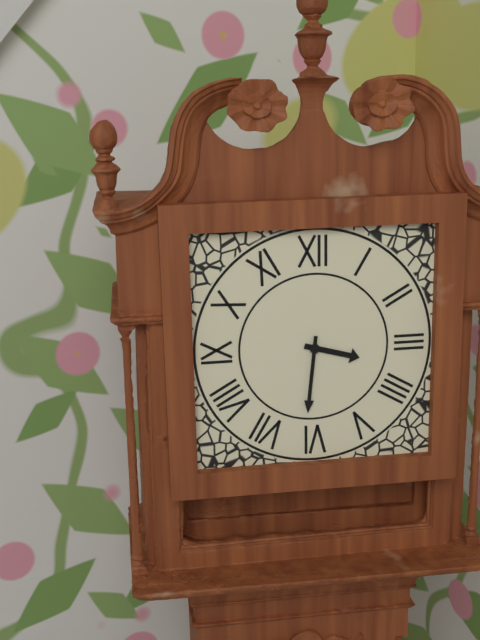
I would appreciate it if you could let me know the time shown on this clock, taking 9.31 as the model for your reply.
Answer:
3.31
